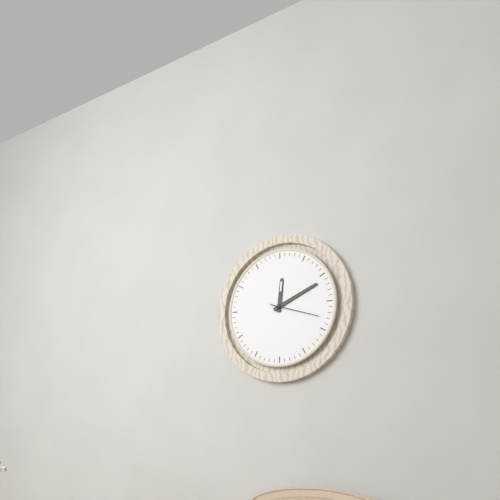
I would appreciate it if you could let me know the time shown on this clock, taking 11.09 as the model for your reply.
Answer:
12.11
